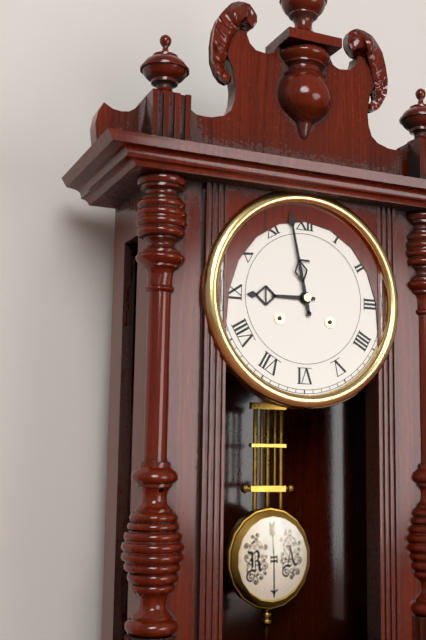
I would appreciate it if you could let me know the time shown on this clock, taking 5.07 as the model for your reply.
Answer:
8.58
